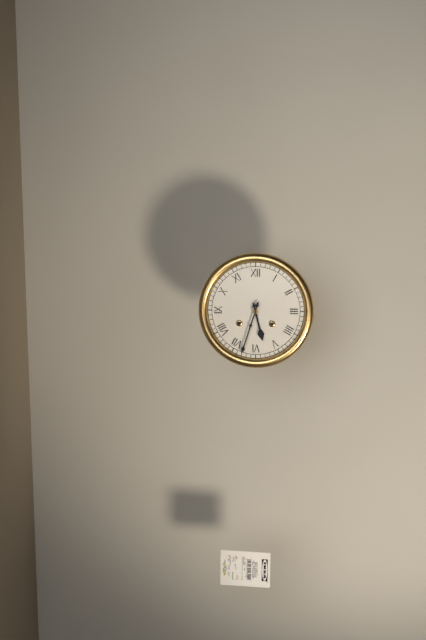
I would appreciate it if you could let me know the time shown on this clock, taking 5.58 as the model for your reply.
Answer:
5.33
